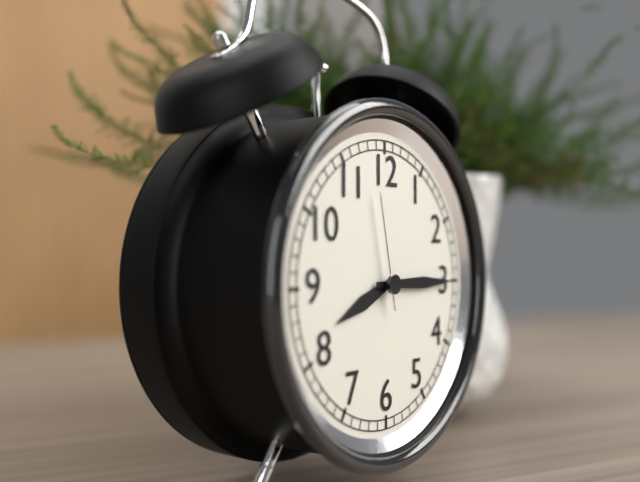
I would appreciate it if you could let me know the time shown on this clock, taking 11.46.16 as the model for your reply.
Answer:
8.15.58
